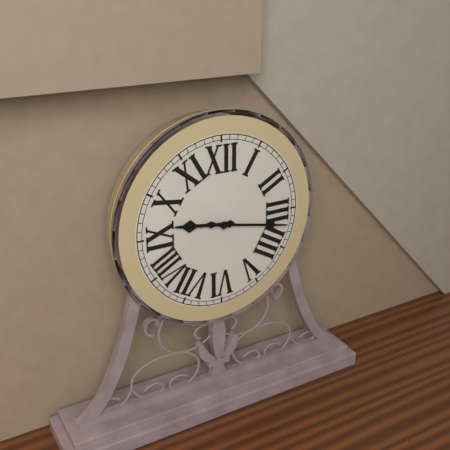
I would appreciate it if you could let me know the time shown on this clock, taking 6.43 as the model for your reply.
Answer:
9.17
